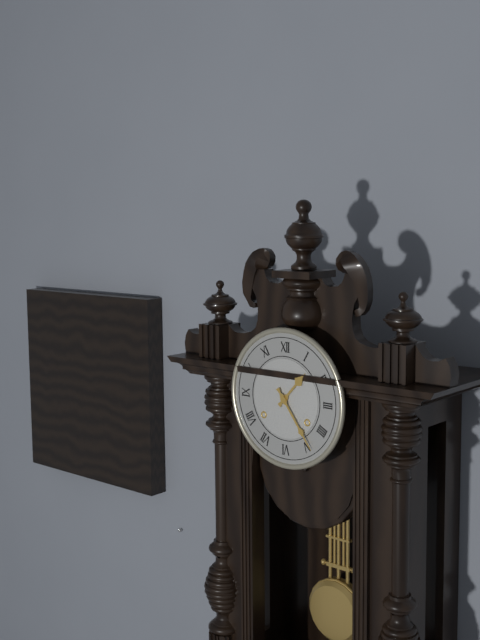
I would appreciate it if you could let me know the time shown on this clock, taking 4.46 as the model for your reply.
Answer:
1.24
